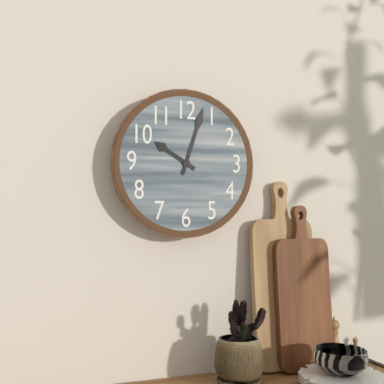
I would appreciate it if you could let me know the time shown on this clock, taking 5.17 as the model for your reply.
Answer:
10.03
